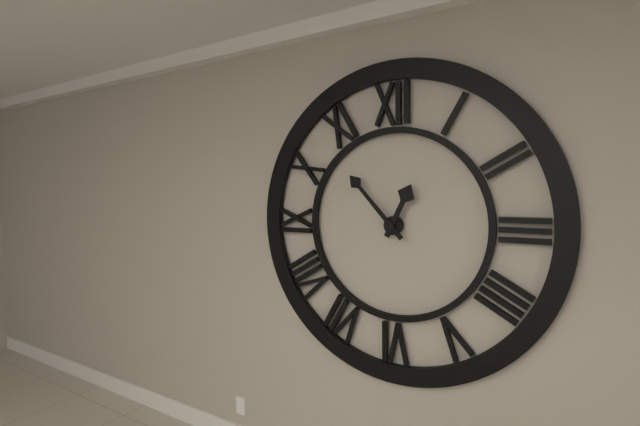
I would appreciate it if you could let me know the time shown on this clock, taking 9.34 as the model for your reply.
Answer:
12.53
